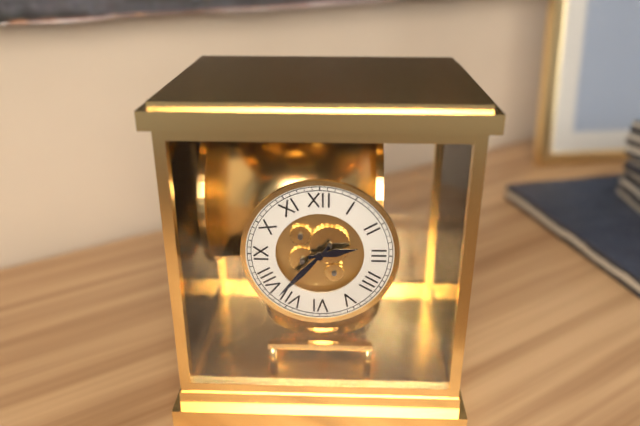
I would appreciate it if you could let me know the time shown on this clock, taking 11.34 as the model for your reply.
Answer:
2.37
